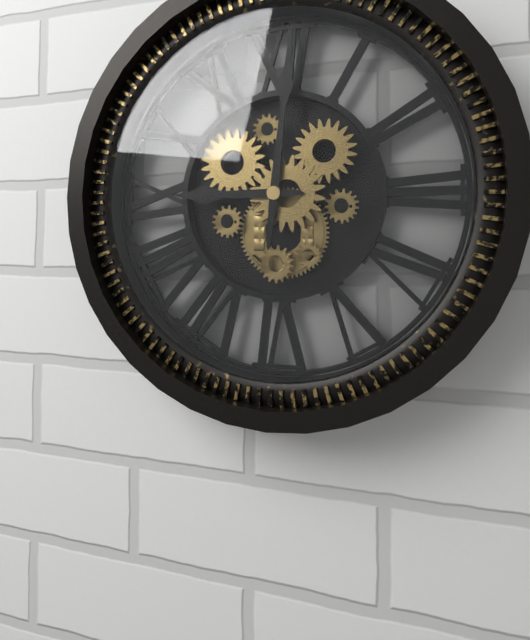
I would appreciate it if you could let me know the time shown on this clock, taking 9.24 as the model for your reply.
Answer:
9.01
